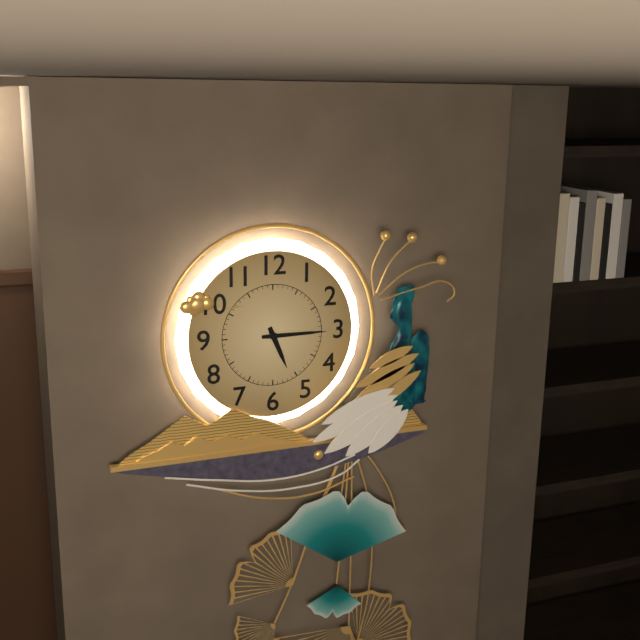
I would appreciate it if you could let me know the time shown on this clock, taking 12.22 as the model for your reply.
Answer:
5.15
